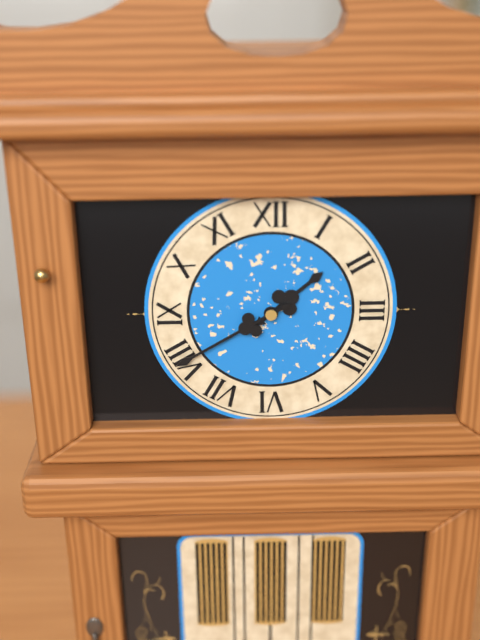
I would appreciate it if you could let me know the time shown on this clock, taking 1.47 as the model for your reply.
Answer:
1.40
